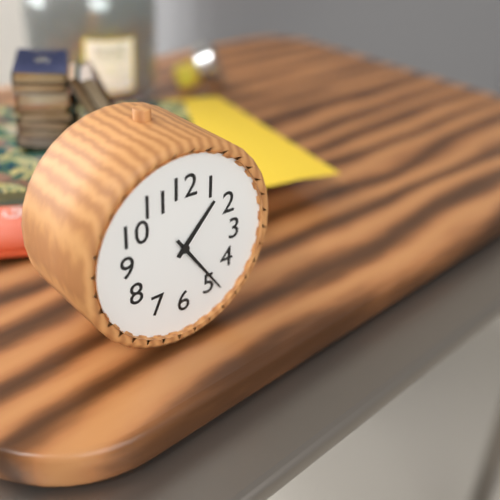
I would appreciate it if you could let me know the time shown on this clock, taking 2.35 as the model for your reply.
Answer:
1.24
